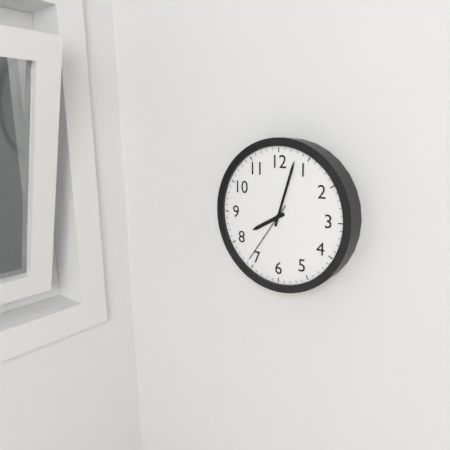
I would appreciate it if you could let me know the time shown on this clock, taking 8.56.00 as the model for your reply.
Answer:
8.03.36
